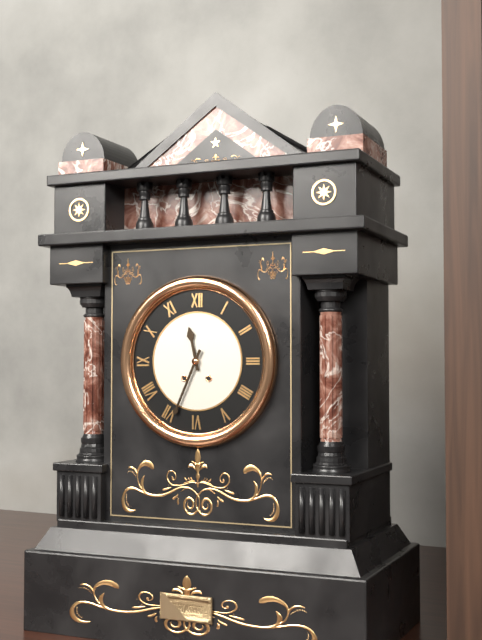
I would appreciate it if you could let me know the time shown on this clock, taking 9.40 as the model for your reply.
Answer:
11.34
